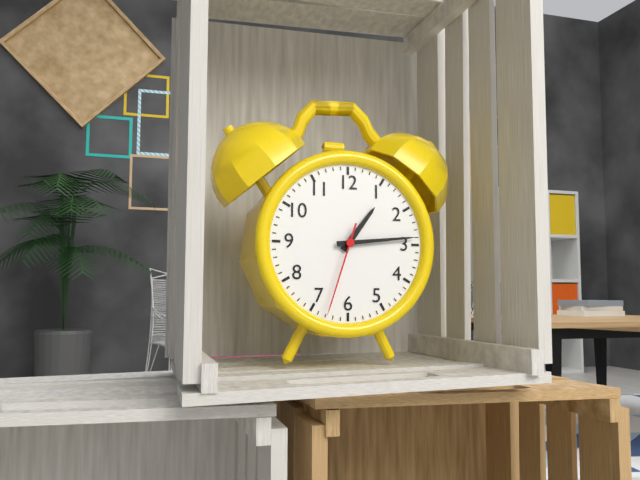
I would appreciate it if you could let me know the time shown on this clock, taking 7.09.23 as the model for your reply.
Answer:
1.14.33
